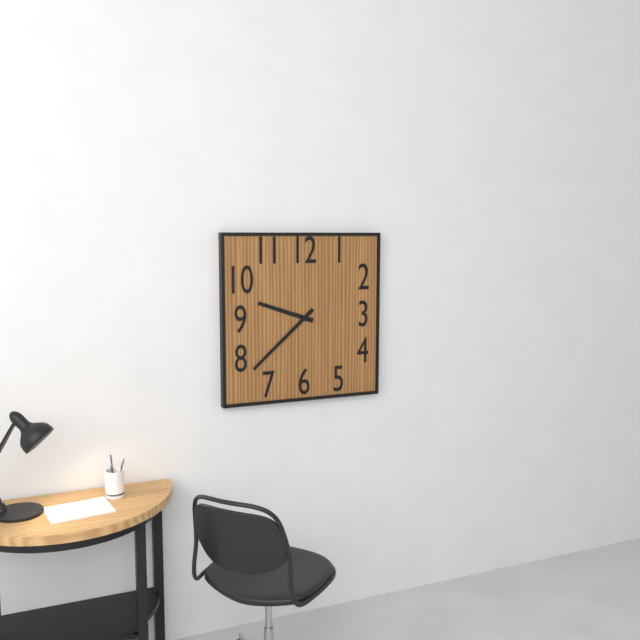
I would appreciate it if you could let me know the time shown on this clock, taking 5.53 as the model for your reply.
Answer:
9.38
